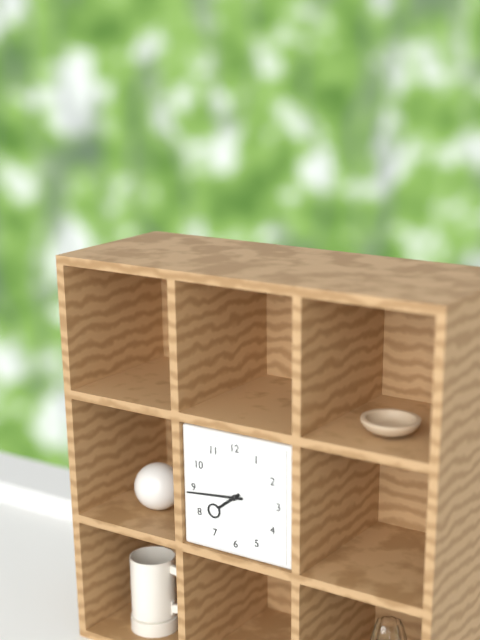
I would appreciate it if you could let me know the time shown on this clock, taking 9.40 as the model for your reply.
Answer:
7.44
